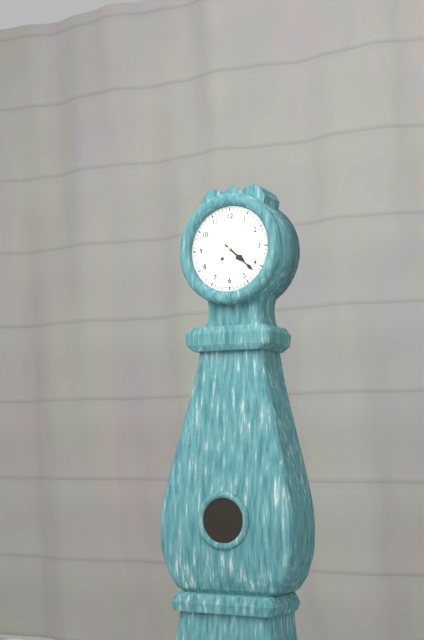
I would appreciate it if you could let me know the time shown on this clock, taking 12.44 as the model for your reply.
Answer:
4.22
